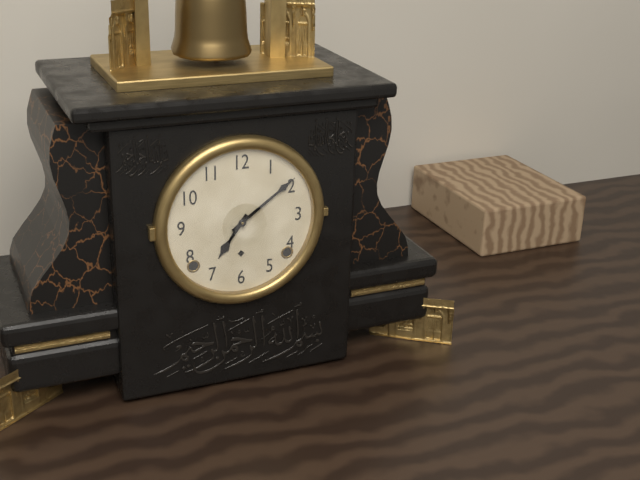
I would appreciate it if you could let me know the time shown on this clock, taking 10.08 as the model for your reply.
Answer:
7.09
